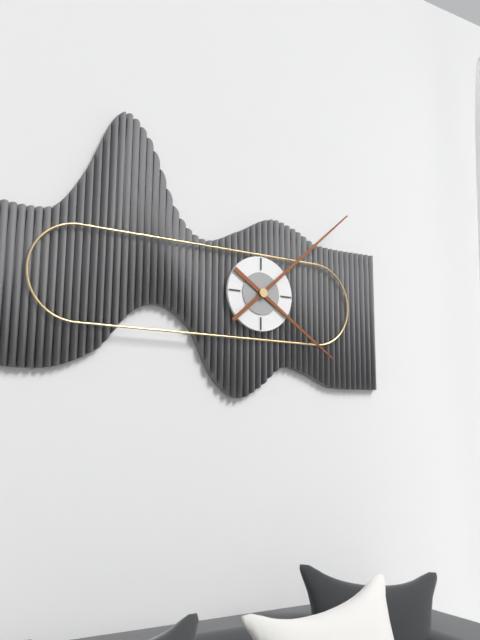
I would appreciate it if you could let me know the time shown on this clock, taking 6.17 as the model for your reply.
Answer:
4.08
